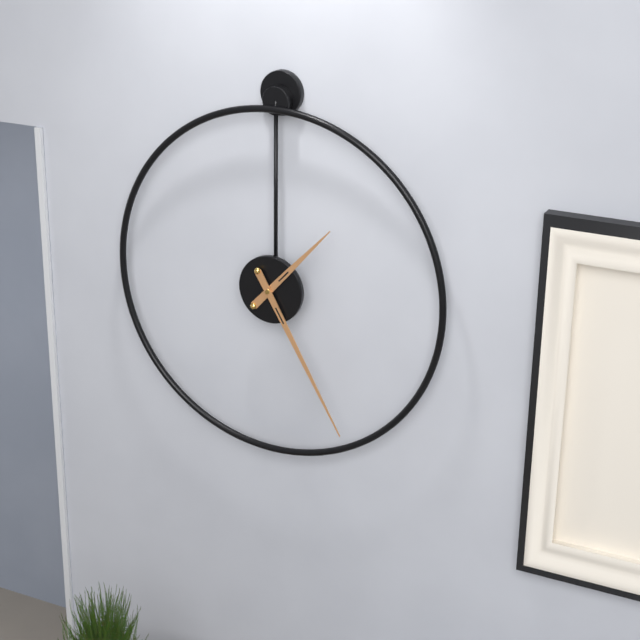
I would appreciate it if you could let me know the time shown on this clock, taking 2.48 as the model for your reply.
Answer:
1.25
